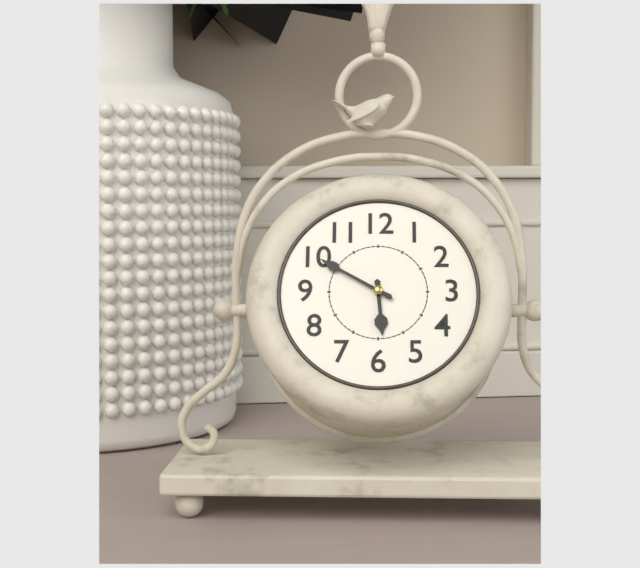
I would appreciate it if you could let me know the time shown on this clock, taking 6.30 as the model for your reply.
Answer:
5.50
